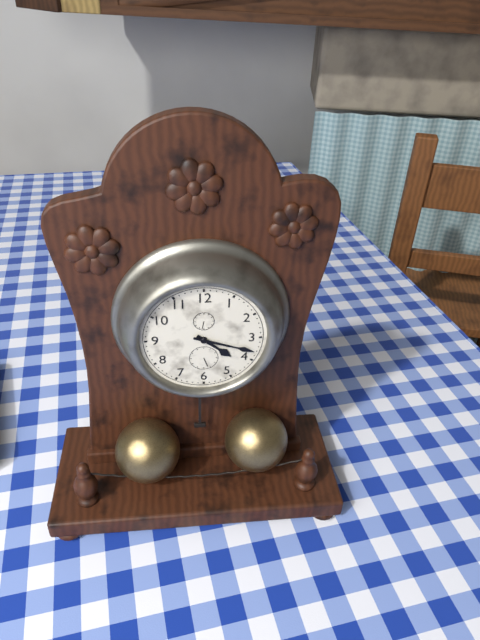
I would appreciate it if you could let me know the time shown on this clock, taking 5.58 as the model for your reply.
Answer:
4.18
